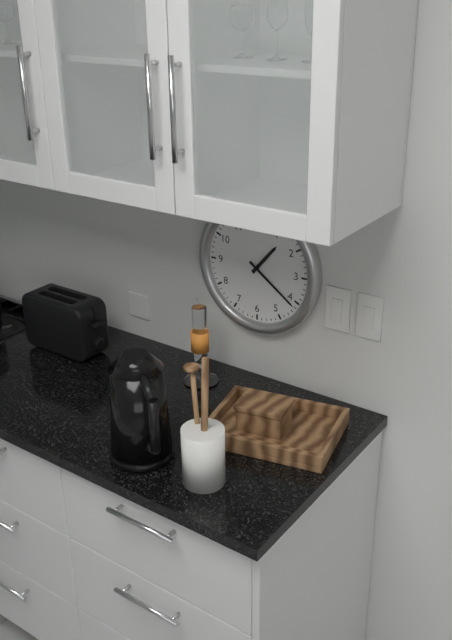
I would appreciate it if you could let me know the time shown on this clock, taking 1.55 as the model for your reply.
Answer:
1.21
